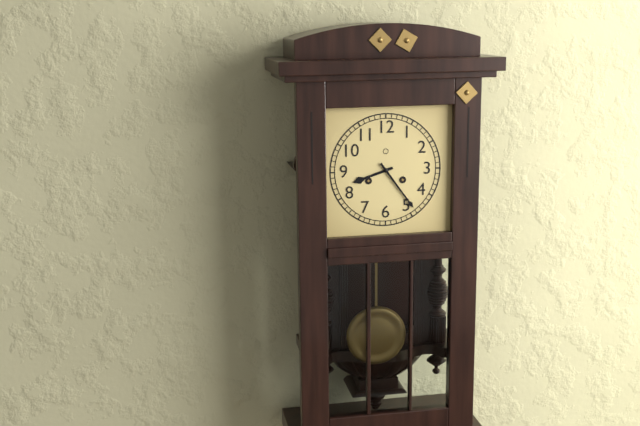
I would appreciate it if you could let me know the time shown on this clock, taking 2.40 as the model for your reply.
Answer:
8.24
